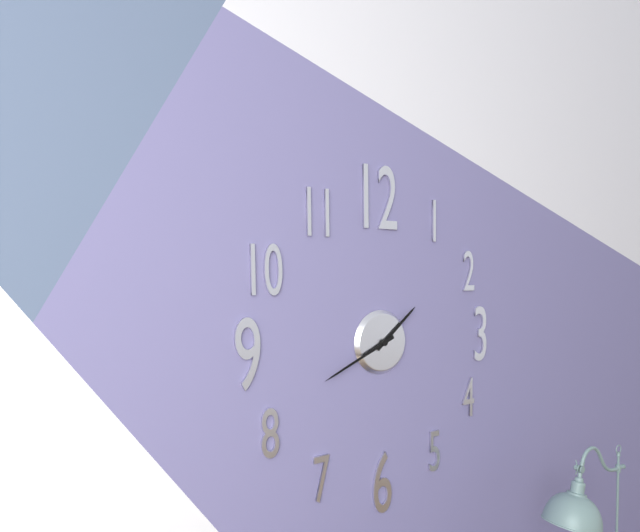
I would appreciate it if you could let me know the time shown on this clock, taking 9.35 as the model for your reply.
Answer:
1.41
